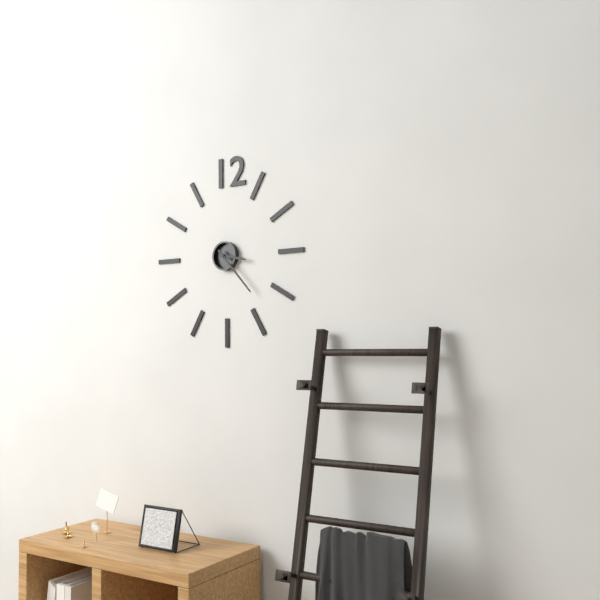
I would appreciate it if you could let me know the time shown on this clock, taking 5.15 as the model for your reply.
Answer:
3.23
